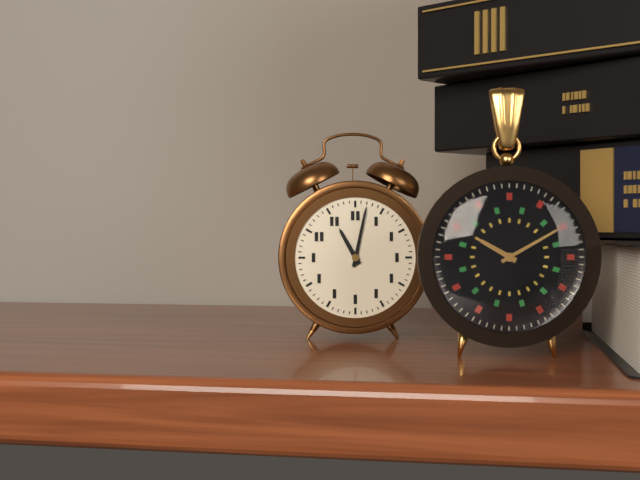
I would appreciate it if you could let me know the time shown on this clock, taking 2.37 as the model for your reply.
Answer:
11.02
